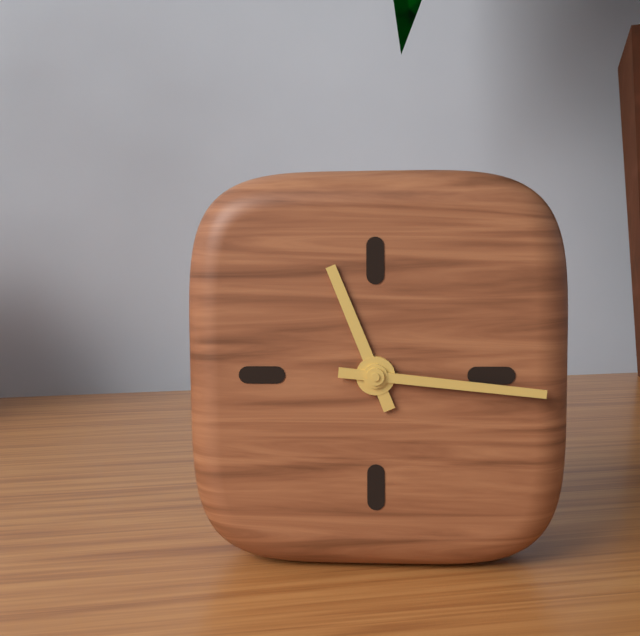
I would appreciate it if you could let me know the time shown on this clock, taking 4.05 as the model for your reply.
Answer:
11.16
